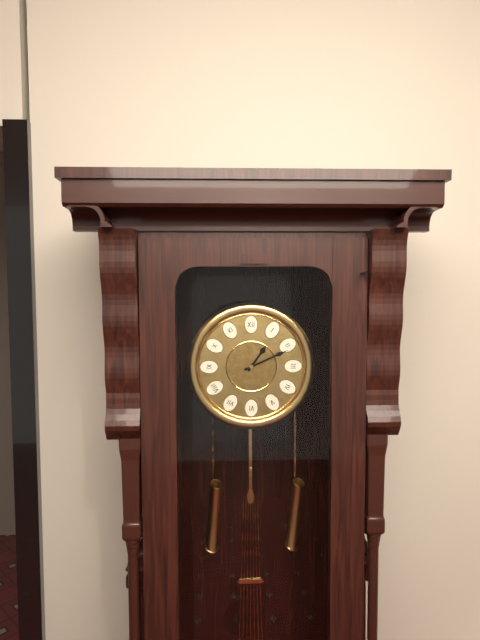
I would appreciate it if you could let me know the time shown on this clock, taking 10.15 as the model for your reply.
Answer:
1.11
